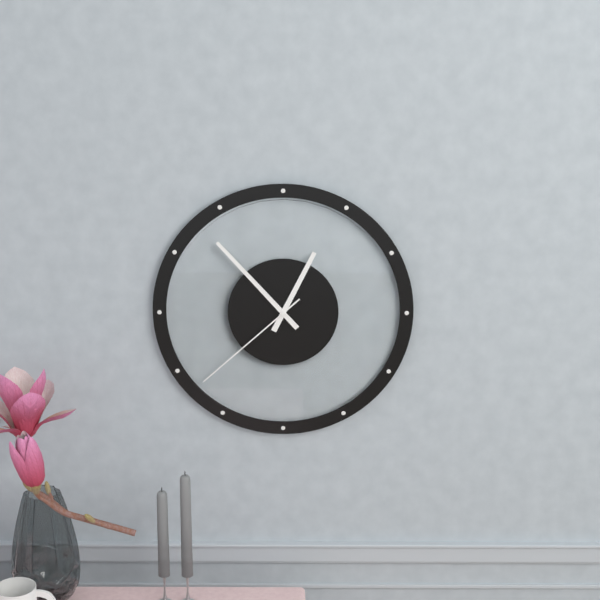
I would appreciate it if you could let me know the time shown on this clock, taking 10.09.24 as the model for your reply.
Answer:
12.53.38
